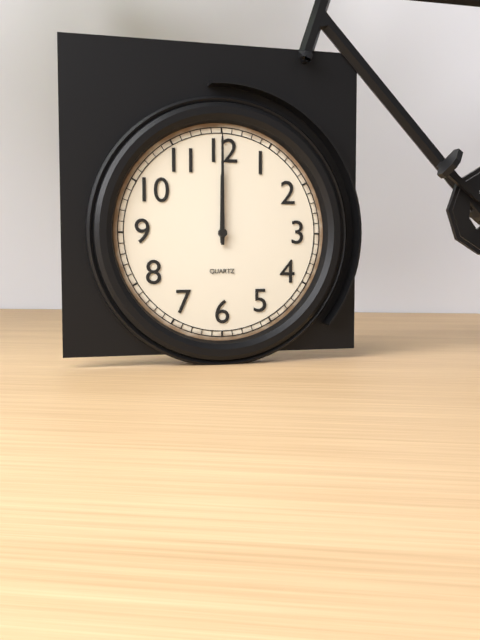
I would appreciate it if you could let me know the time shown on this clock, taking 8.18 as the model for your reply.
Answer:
12.00
